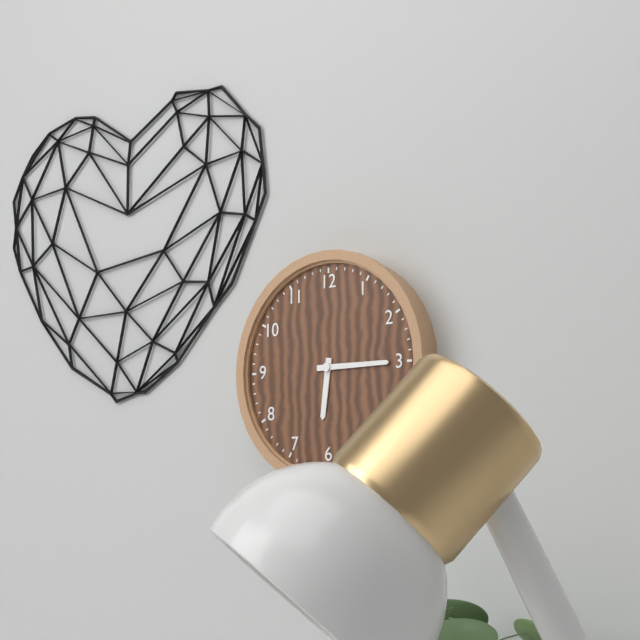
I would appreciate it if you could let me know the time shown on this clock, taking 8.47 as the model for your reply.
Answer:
6.15
